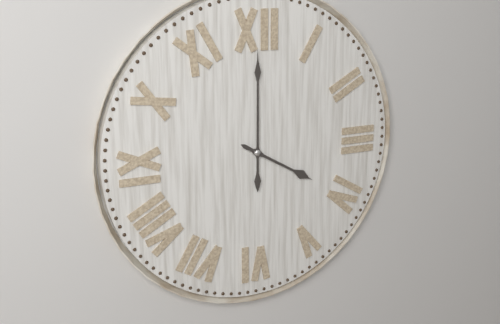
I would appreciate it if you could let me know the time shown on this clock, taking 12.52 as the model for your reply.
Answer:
4.00
